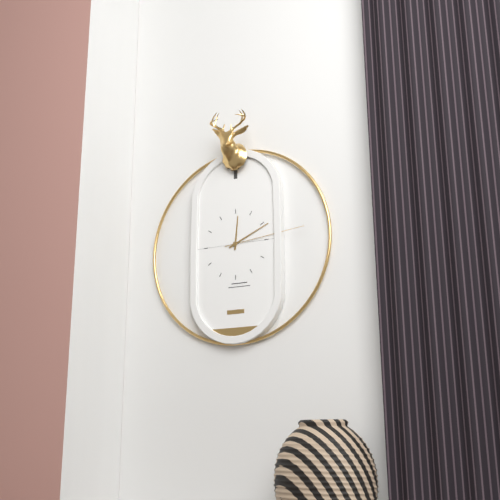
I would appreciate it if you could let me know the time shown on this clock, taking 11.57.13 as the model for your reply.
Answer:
12.11.14
